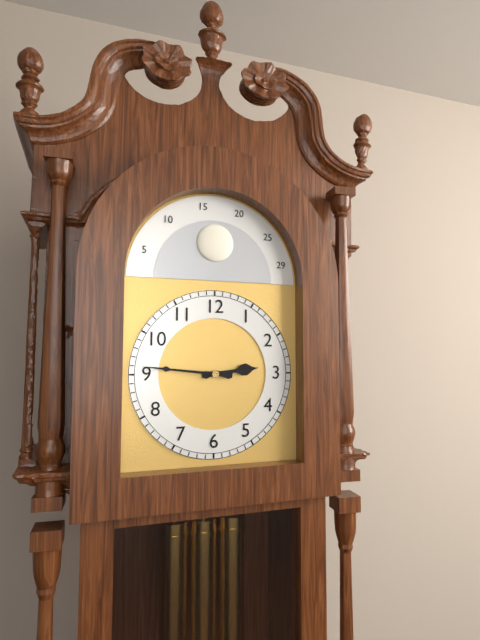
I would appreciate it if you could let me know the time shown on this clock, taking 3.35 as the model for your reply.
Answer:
2.46
